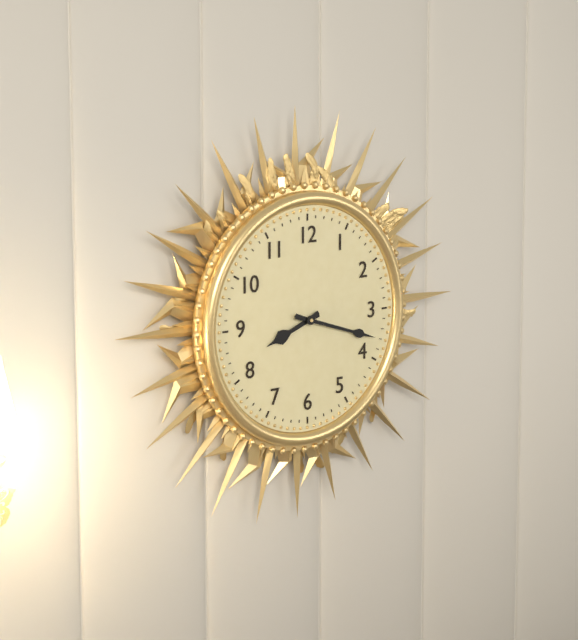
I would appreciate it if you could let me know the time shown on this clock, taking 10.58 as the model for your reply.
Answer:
8.18
